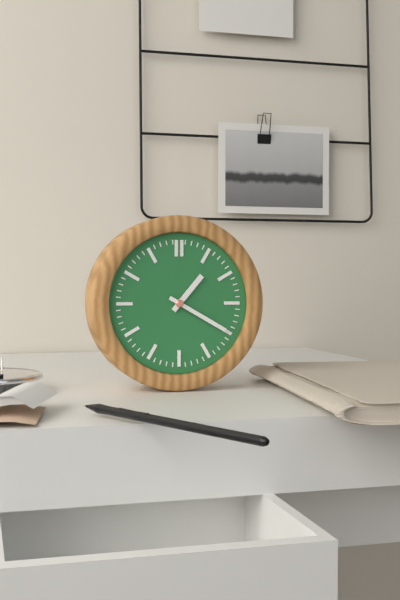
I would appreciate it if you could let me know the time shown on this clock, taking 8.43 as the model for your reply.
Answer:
1.20
